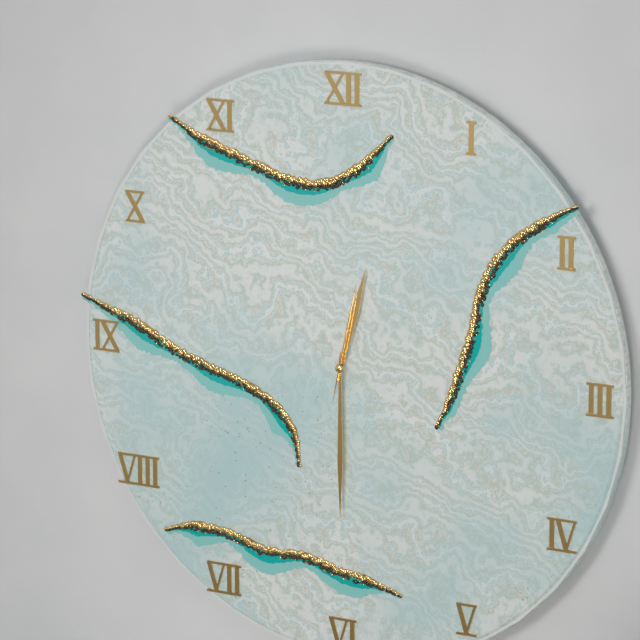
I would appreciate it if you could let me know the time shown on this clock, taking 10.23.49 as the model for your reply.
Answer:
12.30.02
